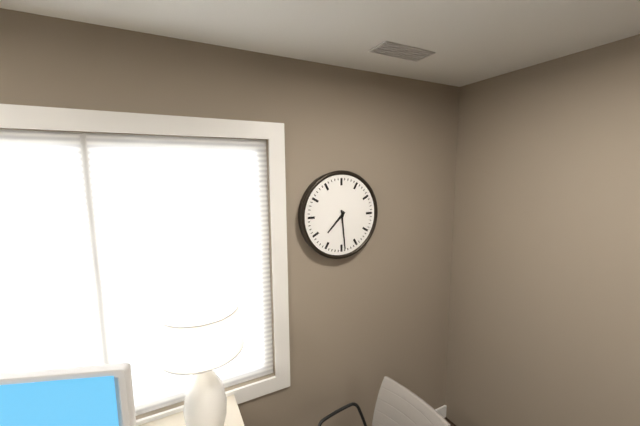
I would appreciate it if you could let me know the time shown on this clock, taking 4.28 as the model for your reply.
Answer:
7.29
